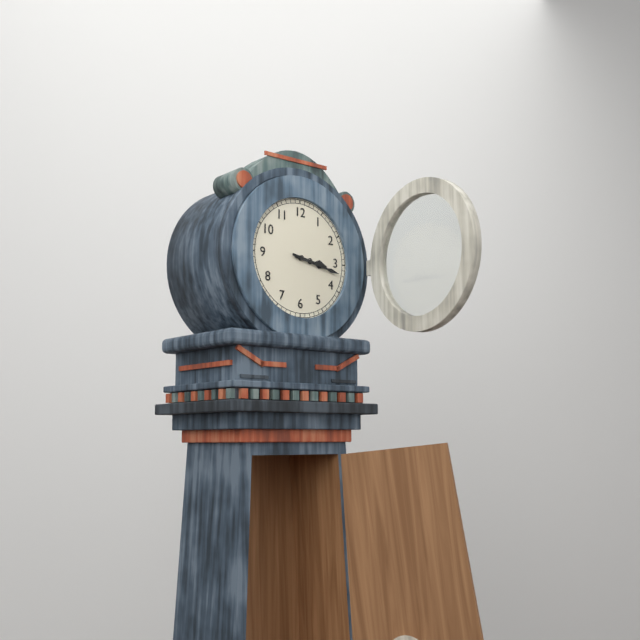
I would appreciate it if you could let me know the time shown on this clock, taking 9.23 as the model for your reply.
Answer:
3.17
